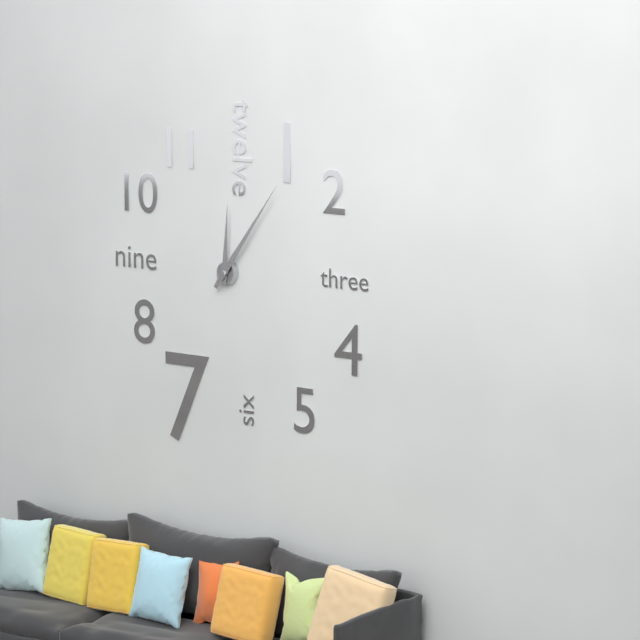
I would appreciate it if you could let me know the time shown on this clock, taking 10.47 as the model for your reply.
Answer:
12.06
